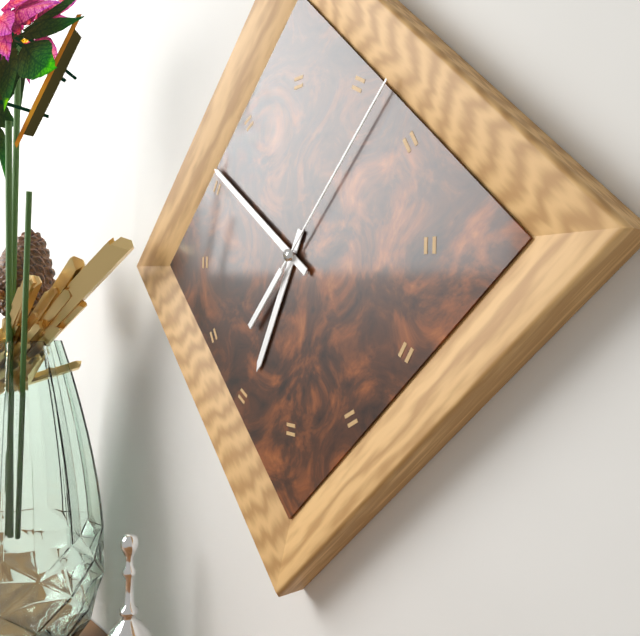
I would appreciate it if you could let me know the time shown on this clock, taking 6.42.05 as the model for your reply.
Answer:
6.51.07
